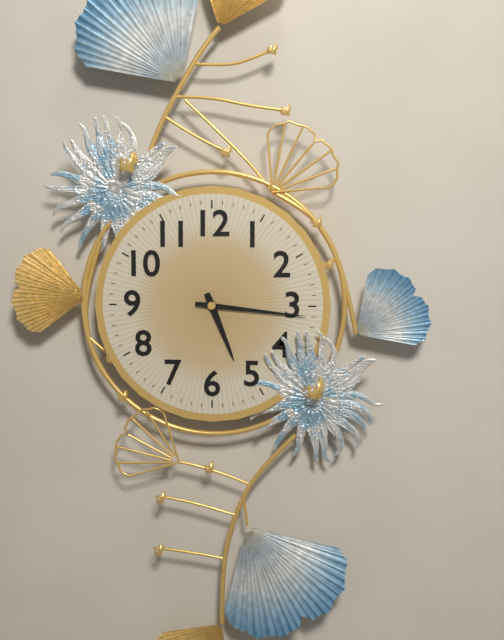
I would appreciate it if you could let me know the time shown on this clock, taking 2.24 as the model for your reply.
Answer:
5.16
